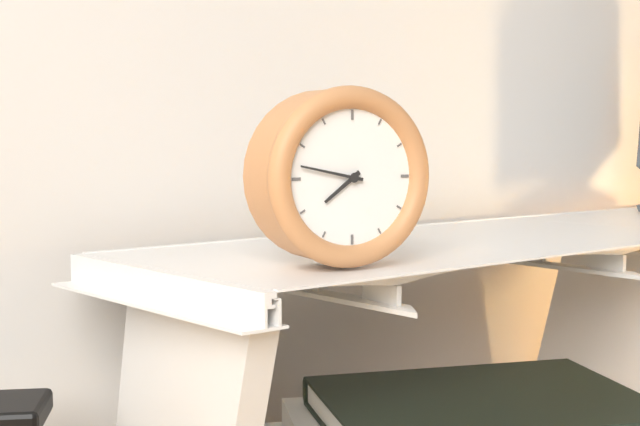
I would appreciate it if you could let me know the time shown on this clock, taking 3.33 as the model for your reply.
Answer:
7.47
